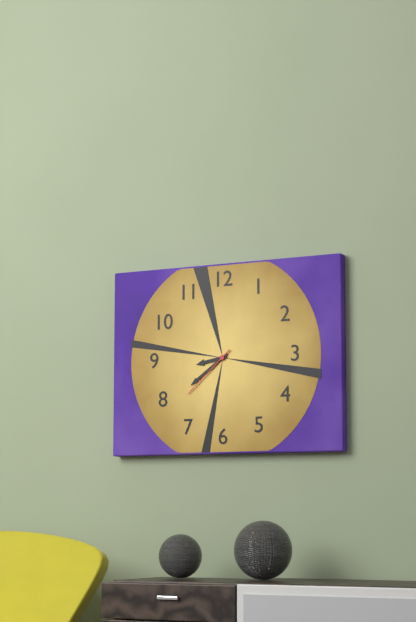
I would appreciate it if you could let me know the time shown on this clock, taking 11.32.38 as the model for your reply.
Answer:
8.39.38
